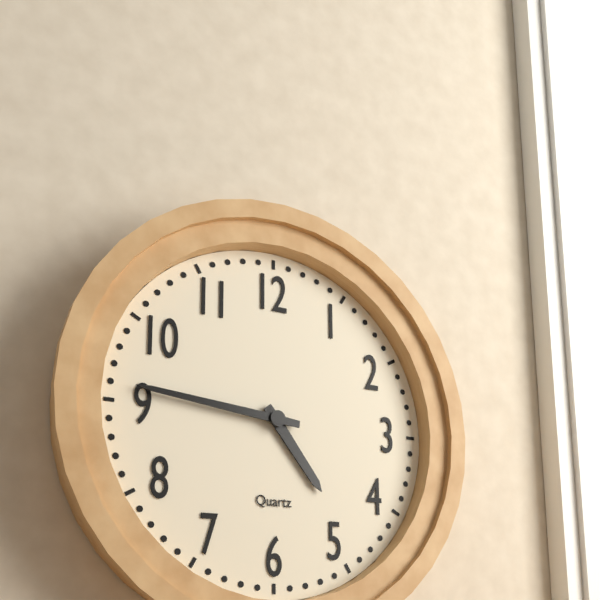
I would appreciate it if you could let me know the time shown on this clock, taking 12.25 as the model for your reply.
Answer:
4.46
